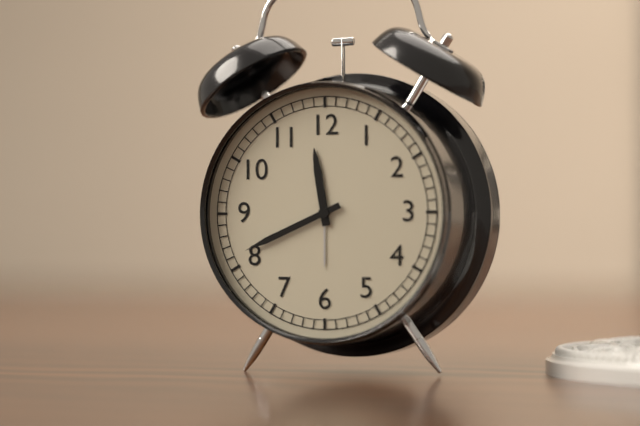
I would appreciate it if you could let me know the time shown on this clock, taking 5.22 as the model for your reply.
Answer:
11.41
